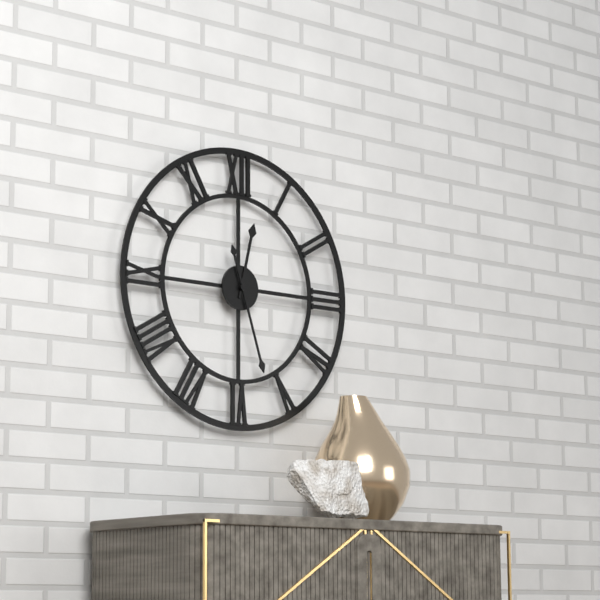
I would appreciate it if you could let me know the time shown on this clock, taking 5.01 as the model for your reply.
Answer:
12.27
